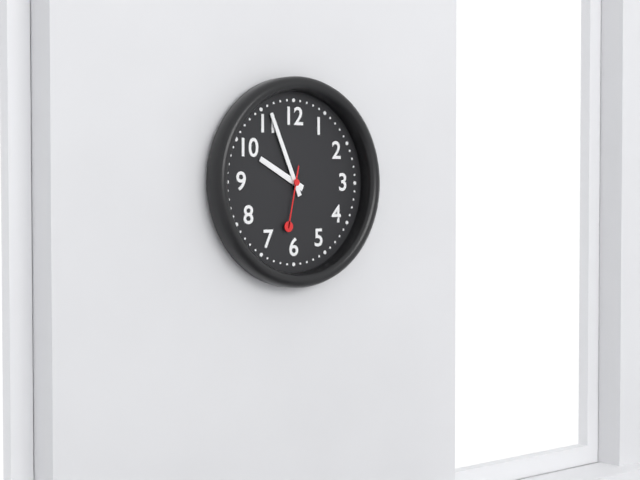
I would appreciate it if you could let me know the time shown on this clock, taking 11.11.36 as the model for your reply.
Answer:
9.56.32
